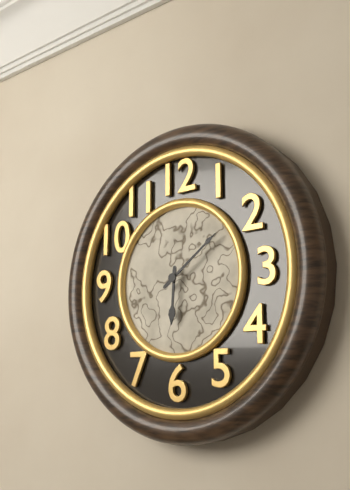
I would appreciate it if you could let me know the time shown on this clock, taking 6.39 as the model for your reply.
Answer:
6.09
